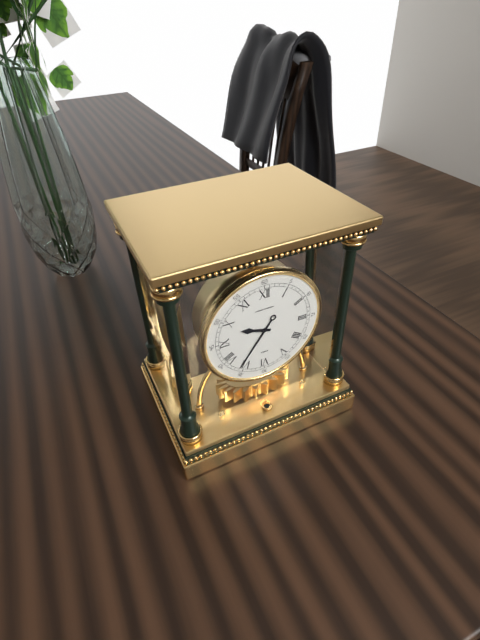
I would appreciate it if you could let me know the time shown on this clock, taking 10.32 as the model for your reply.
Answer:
9.36
